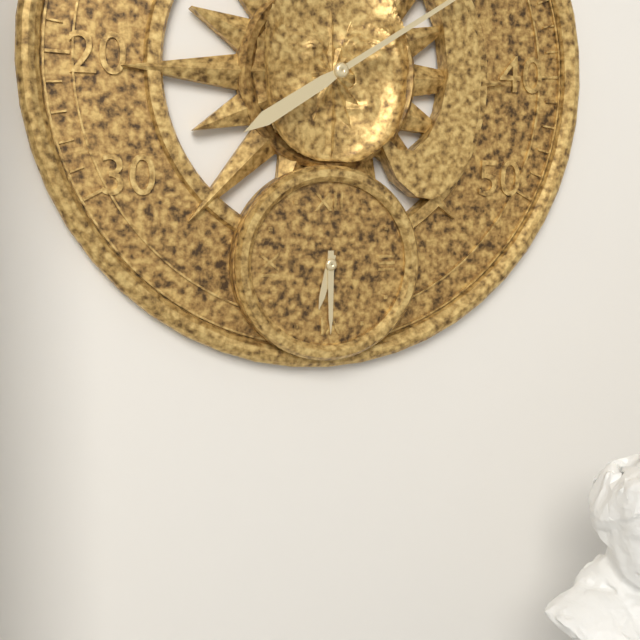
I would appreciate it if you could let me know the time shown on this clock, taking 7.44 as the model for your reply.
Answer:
6.30
